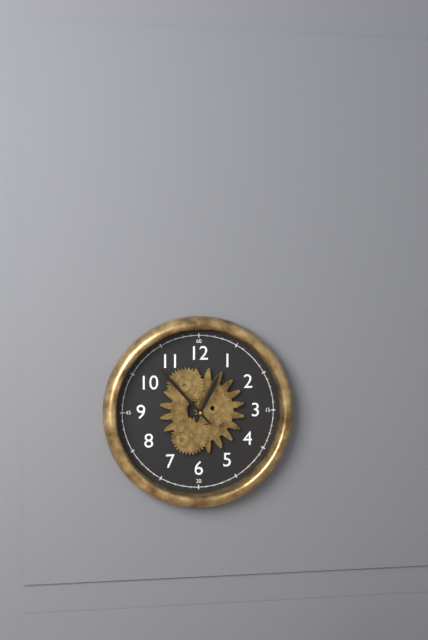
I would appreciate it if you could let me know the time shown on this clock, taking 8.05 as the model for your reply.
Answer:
12.53
